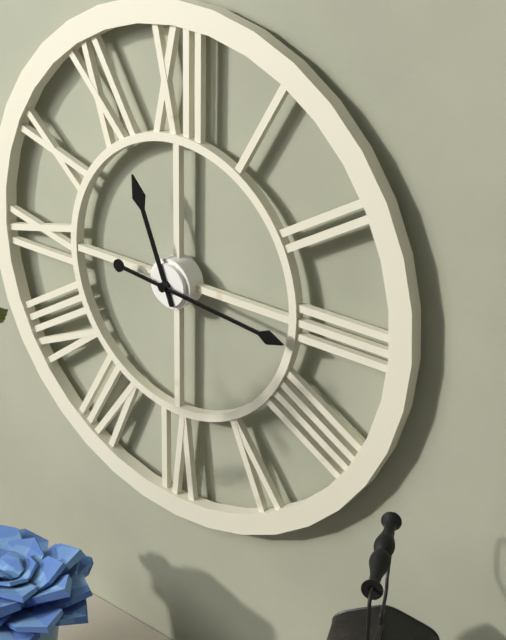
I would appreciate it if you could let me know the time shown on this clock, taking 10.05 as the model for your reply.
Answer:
11.16
